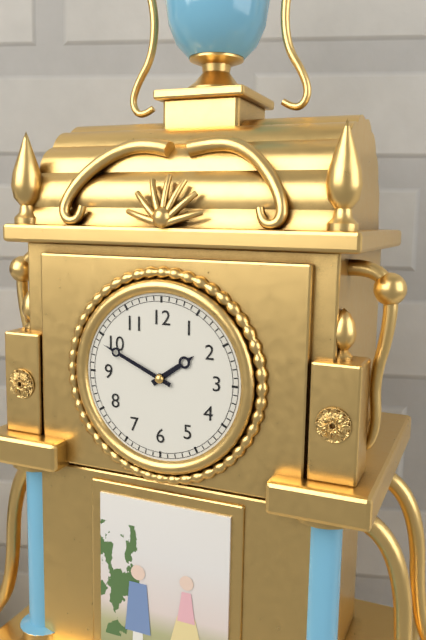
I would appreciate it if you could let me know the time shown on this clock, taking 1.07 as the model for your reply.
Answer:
1.49
